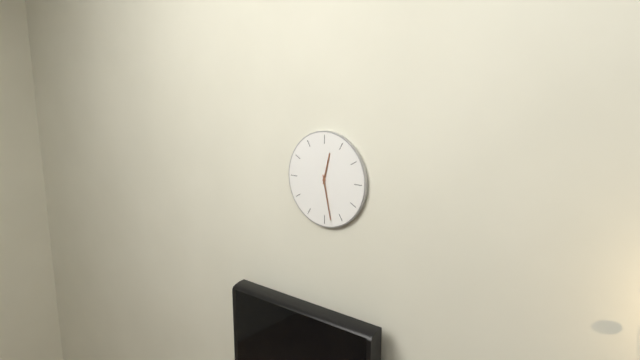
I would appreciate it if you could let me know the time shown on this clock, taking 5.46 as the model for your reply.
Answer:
12.28
